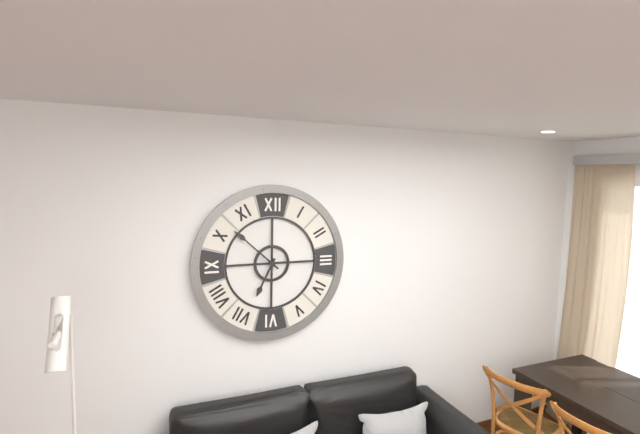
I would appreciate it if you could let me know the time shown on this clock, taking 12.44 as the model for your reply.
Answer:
6.52
